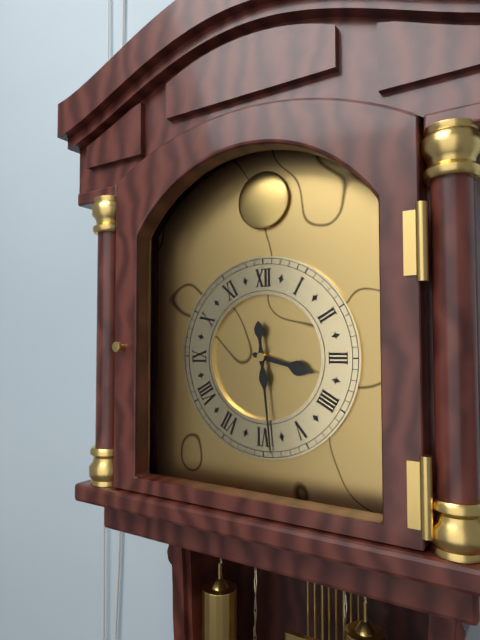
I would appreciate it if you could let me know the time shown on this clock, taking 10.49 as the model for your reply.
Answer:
3.29
